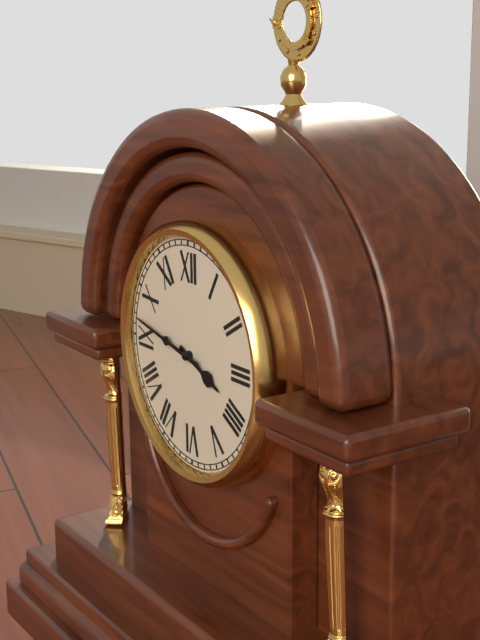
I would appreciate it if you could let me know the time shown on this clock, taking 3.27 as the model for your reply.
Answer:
3.47
